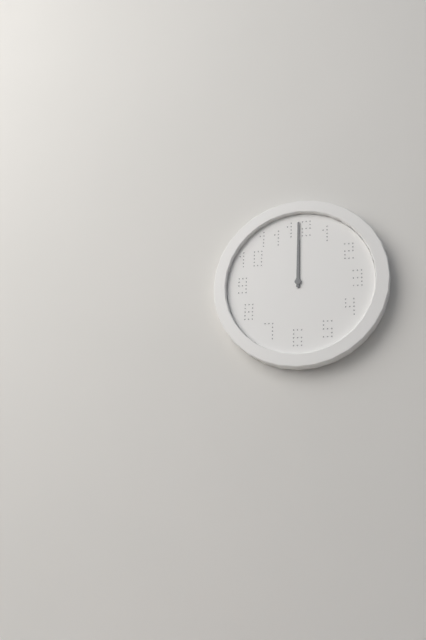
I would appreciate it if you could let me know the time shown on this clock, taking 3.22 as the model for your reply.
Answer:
12.00
